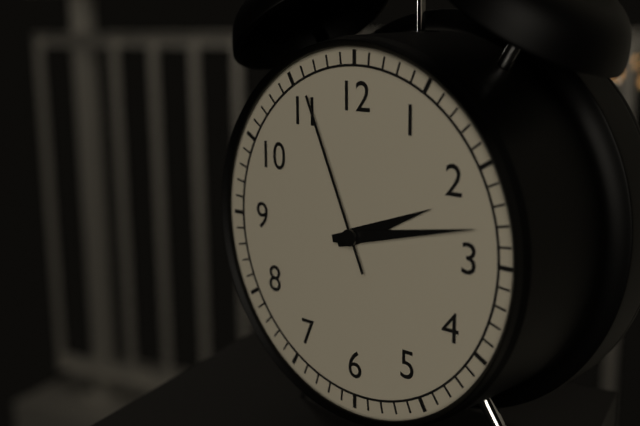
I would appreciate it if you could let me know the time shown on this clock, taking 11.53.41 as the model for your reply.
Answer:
2.13.56
